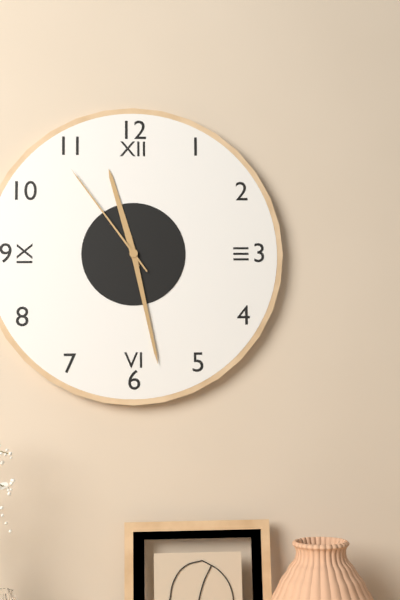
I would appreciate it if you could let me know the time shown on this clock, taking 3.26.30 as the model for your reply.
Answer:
11.28.54
